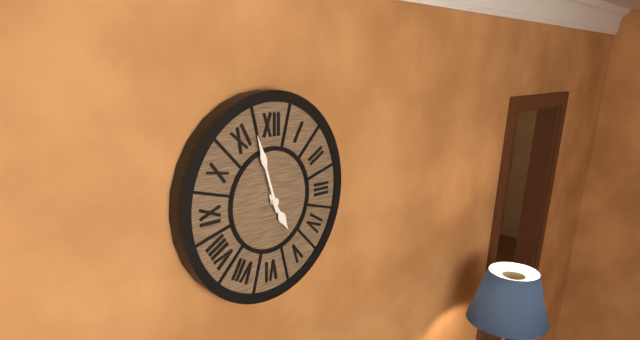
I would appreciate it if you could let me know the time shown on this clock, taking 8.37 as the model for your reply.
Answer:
4.57
